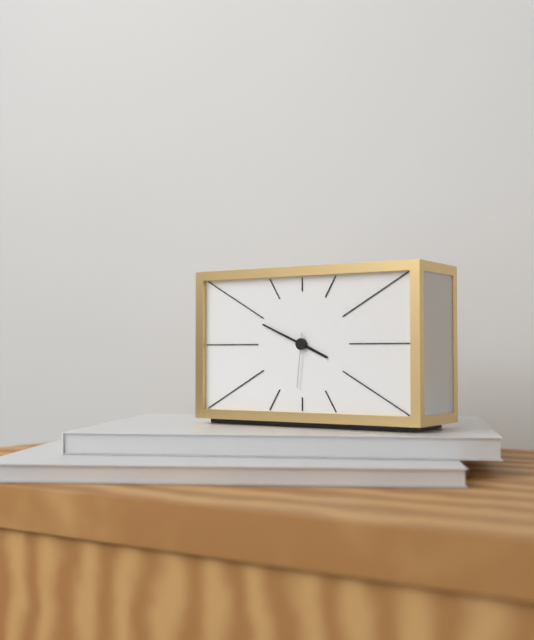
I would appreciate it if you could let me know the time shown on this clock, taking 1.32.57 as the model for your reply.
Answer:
3.49.31
